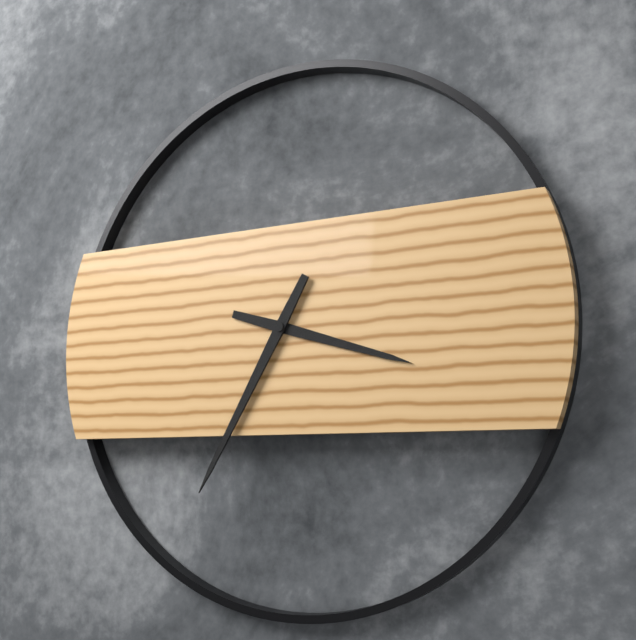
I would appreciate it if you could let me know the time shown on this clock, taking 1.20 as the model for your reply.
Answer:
3.35
